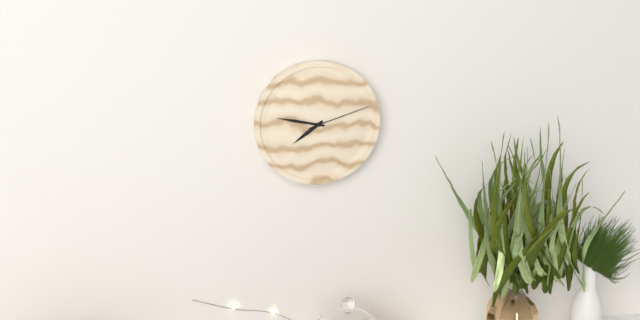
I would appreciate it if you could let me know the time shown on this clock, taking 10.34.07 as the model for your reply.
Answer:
7.47.12
